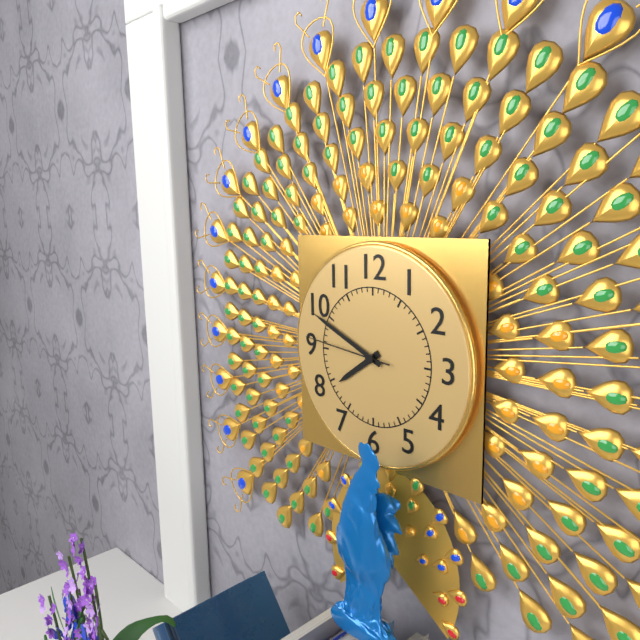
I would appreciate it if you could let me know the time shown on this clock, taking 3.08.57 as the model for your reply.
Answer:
7.49.46
